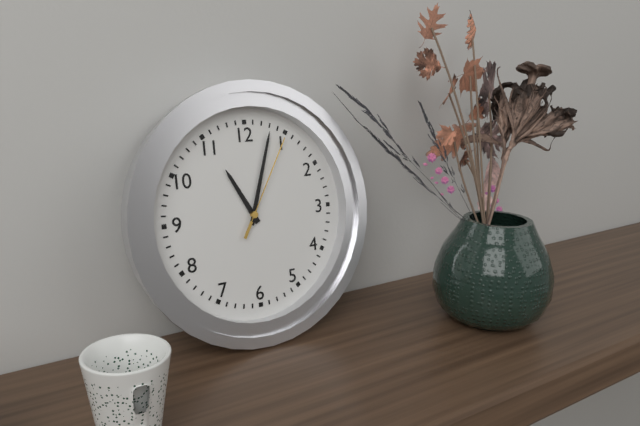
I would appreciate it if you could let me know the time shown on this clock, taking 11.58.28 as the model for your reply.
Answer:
11.03.05
